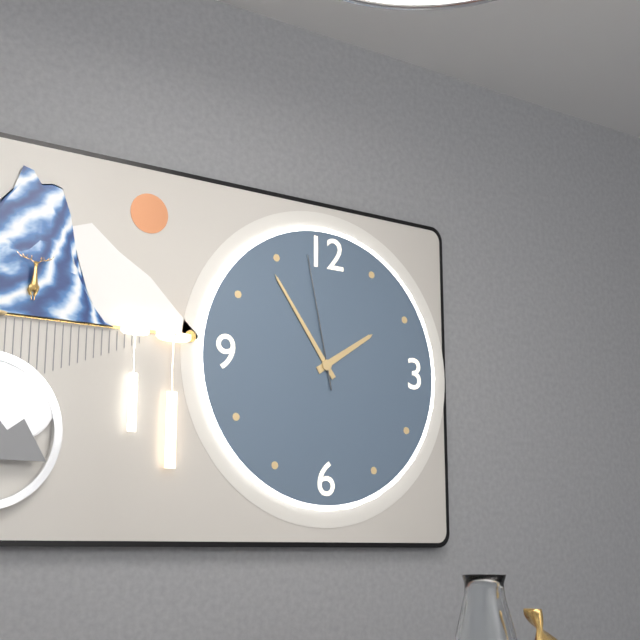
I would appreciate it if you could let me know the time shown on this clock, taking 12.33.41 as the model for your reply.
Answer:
1.54.58
